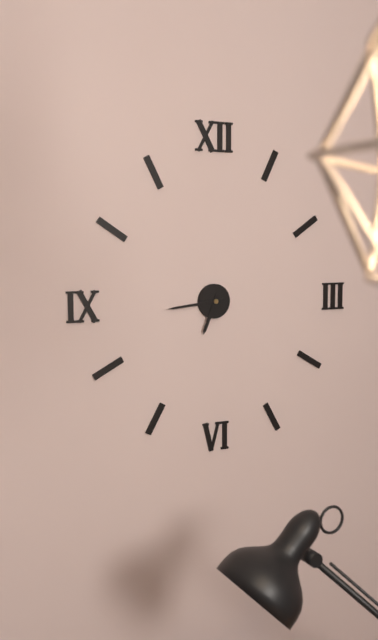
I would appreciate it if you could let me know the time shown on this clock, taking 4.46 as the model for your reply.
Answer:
6.44
